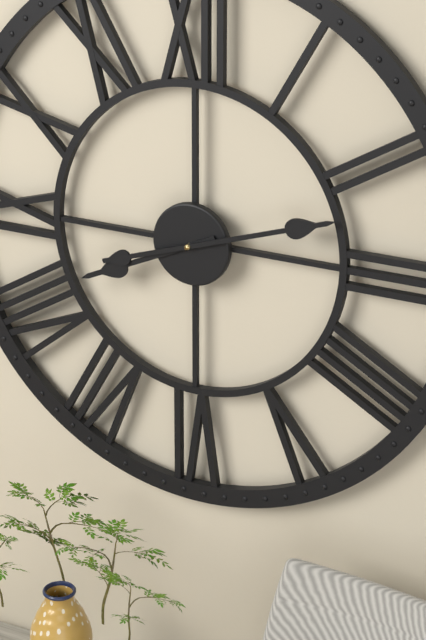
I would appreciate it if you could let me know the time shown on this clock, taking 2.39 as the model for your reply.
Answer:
8.12
